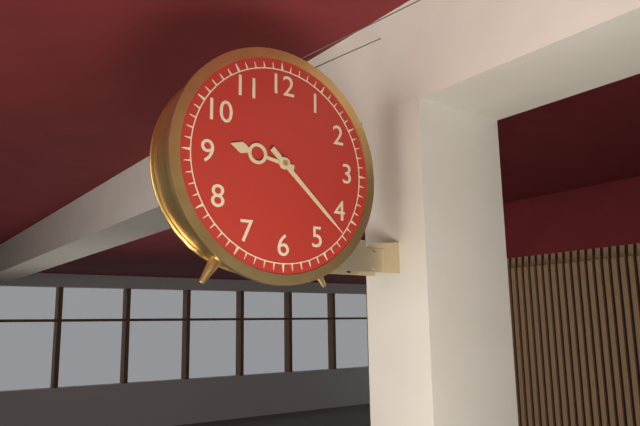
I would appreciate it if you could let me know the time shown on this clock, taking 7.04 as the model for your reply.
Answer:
9.22
